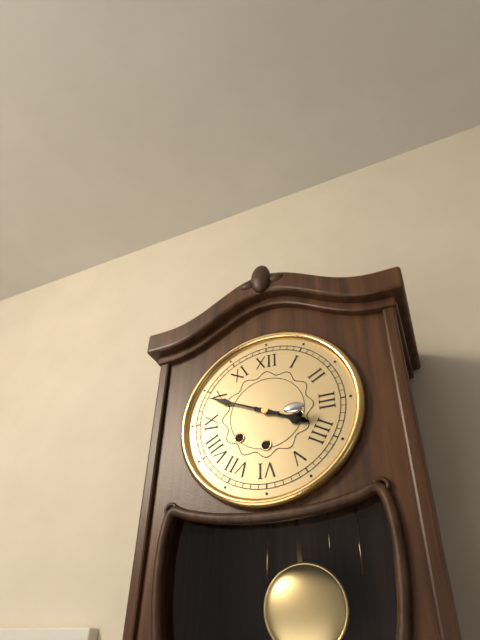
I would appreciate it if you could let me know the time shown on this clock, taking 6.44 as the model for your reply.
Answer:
3.49
